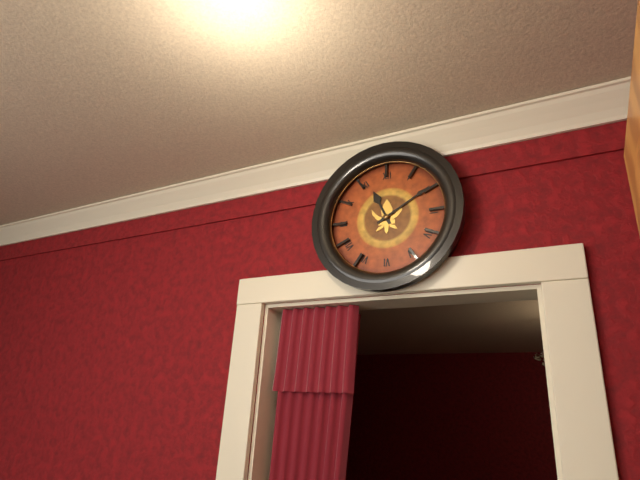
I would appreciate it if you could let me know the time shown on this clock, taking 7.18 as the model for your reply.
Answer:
11.10
